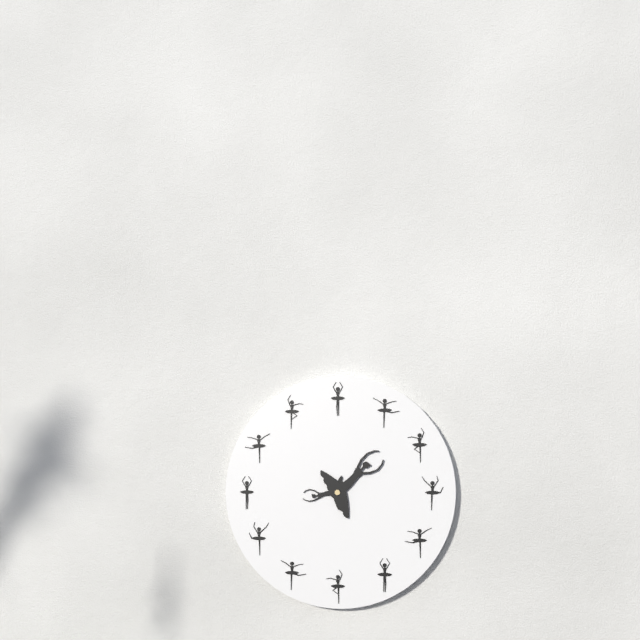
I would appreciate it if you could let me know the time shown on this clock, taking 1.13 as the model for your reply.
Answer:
9.10
